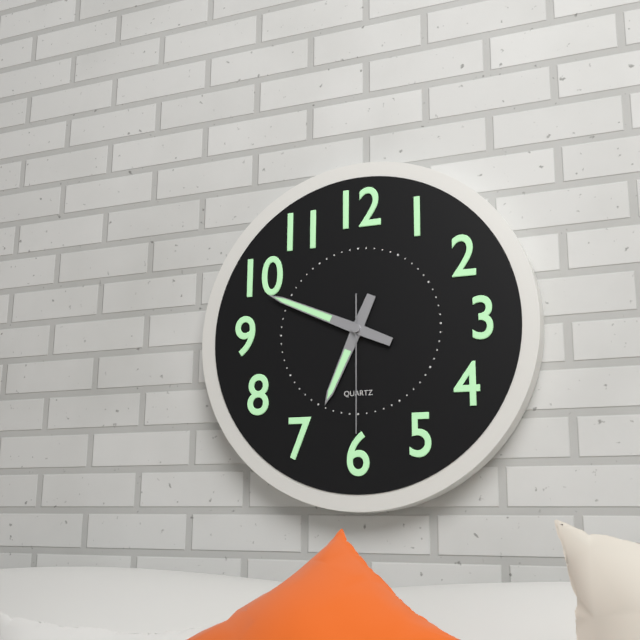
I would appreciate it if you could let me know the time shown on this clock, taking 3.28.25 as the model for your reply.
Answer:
6.49.30
